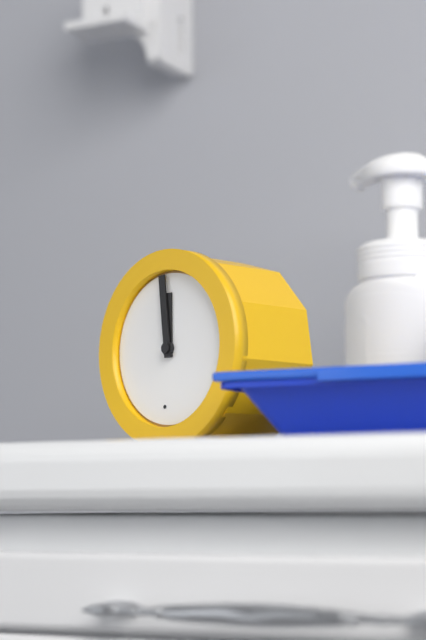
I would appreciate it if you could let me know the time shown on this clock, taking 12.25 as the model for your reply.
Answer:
11.59
